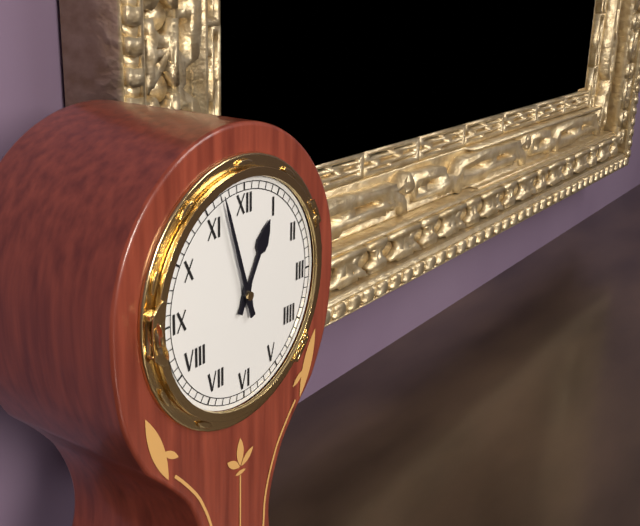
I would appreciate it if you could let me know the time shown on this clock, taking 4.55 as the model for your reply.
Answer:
12.57
